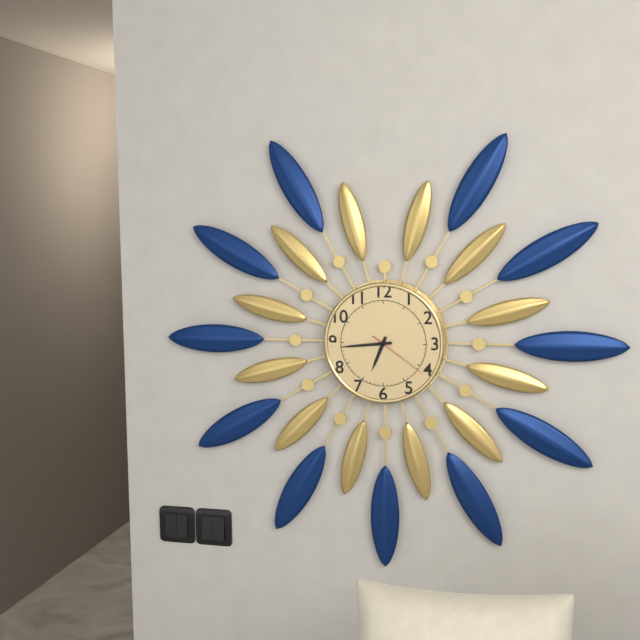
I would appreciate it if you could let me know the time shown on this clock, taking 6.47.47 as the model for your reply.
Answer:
6.44.21
